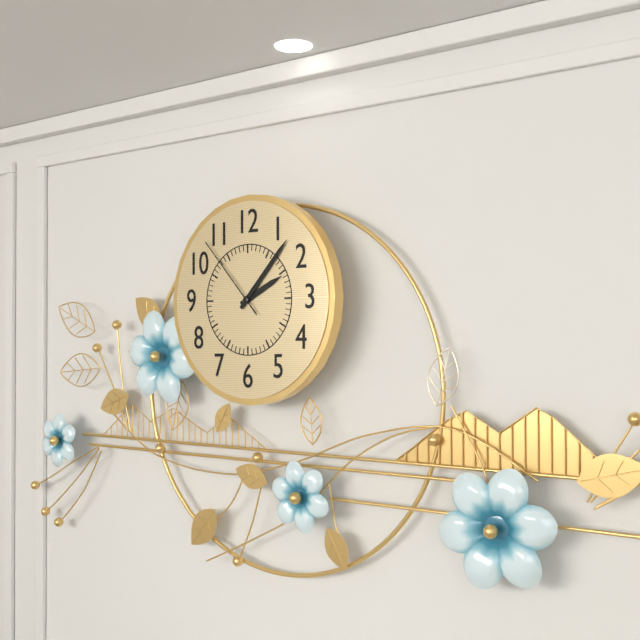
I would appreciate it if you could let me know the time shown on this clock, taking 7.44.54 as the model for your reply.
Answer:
2.07.53
